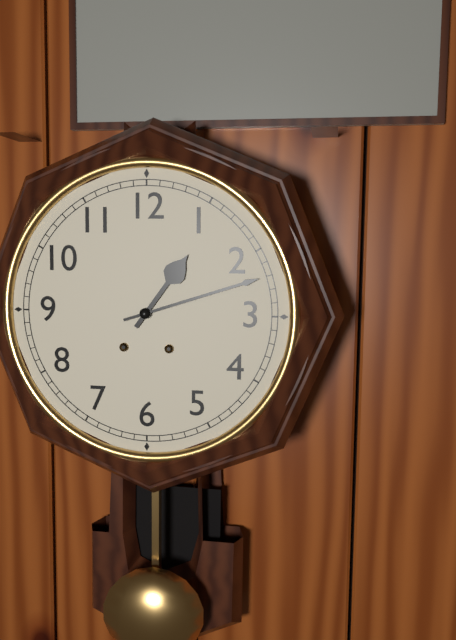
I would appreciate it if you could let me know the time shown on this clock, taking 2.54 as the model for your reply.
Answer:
1.12
